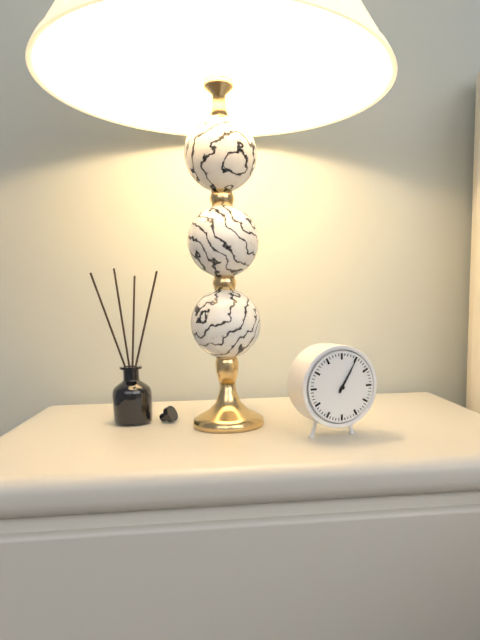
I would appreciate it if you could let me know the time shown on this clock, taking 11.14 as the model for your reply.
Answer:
1.05
